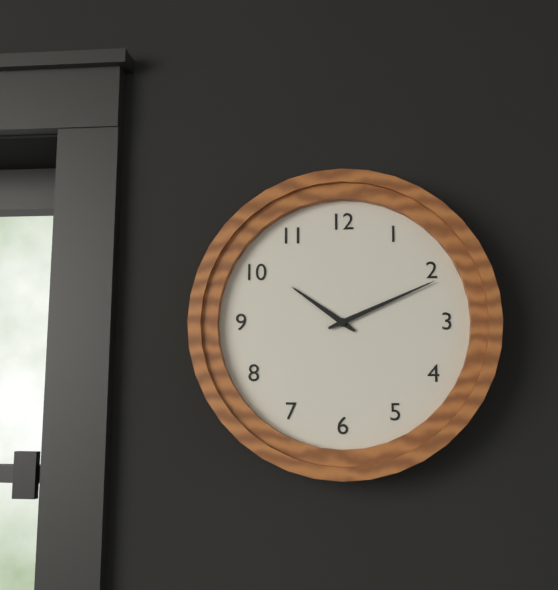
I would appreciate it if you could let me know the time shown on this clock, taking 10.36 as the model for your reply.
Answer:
10.11
